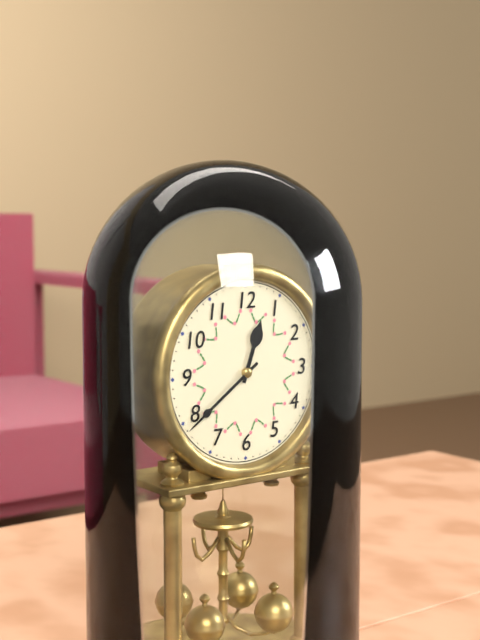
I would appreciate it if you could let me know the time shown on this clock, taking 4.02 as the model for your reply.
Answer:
12.39
